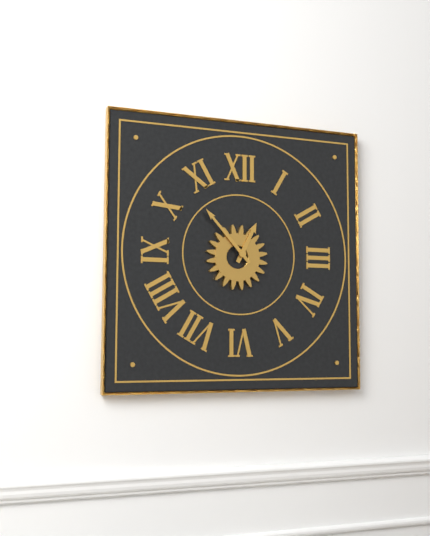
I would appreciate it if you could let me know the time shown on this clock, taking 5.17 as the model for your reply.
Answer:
12.53
